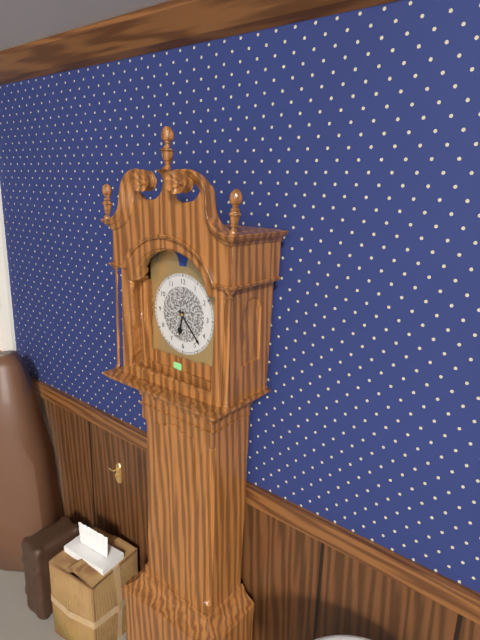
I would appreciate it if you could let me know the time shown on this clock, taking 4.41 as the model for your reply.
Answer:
6.23
